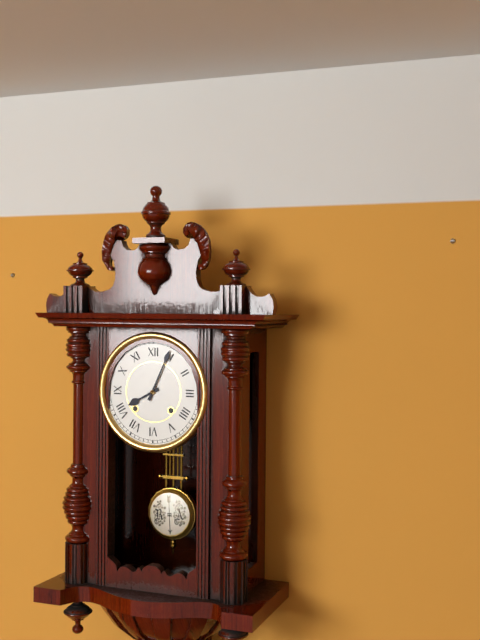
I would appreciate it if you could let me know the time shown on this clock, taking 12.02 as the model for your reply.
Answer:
8.04
